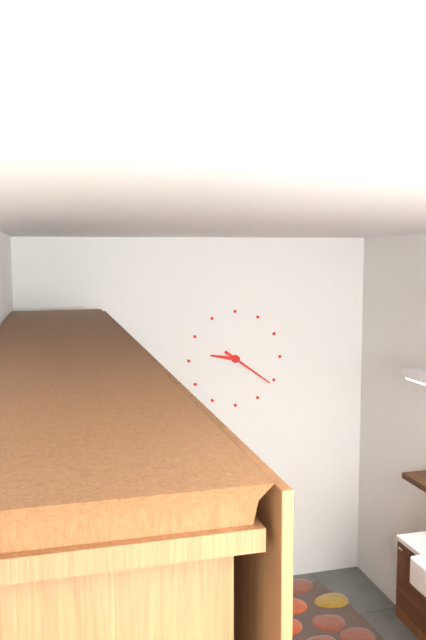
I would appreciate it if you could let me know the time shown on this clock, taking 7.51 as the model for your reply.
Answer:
9.21
